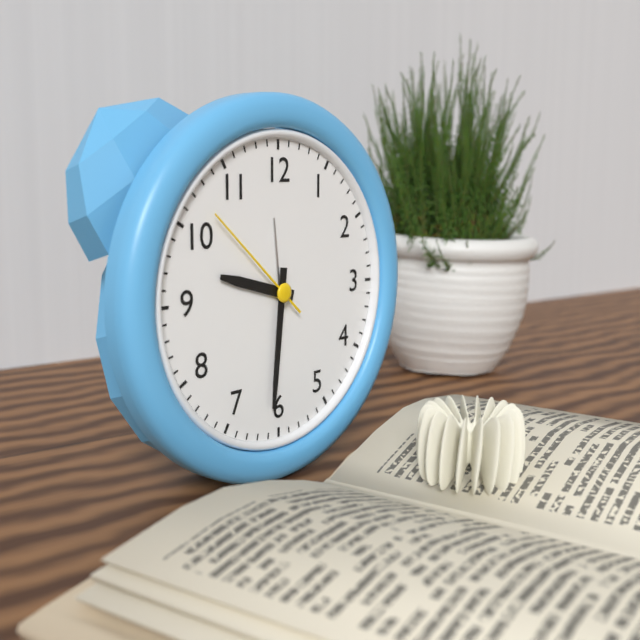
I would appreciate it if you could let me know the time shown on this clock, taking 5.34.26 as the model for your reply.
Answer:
9.31.52
